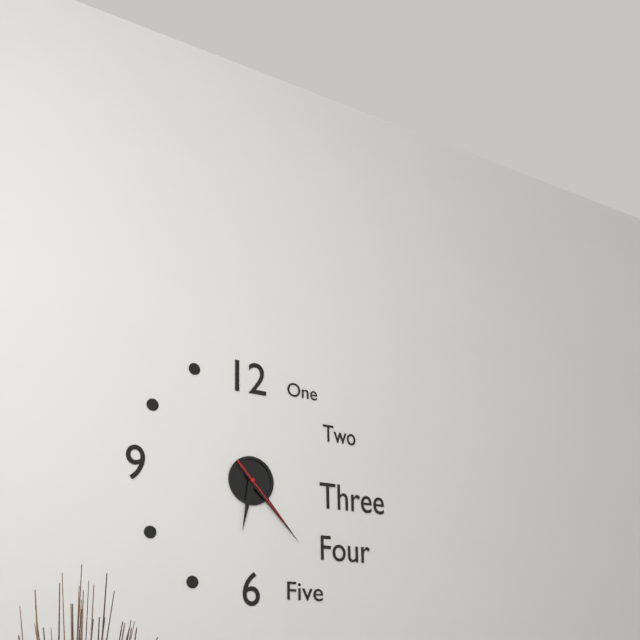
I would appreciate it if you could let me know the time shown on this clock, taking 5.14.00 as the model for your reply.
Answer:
6.23.23
